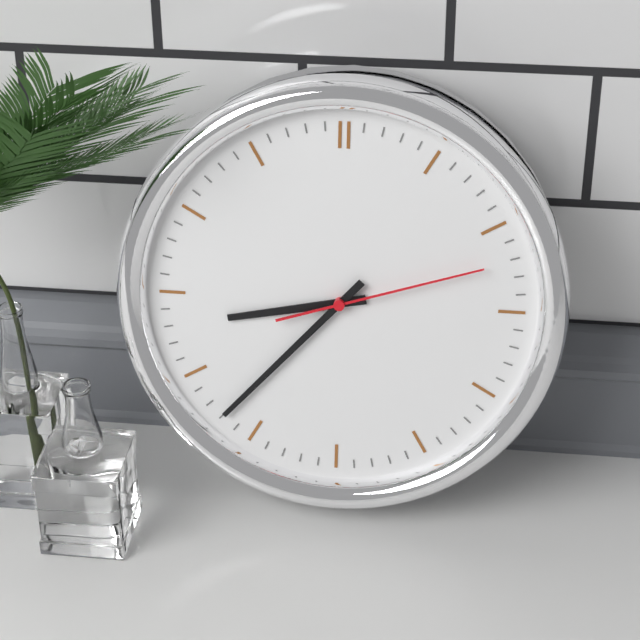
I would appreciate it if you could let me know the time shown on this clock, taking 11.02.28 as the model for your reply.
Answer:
8.37.12
